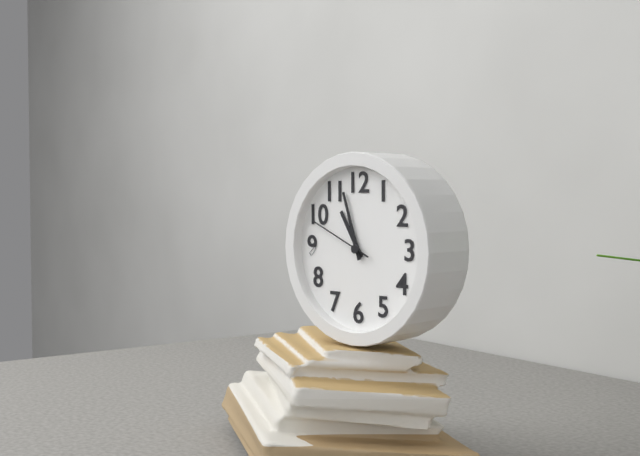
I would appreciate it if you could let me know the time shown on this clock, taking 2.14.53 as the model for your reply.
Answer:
10.57.49
